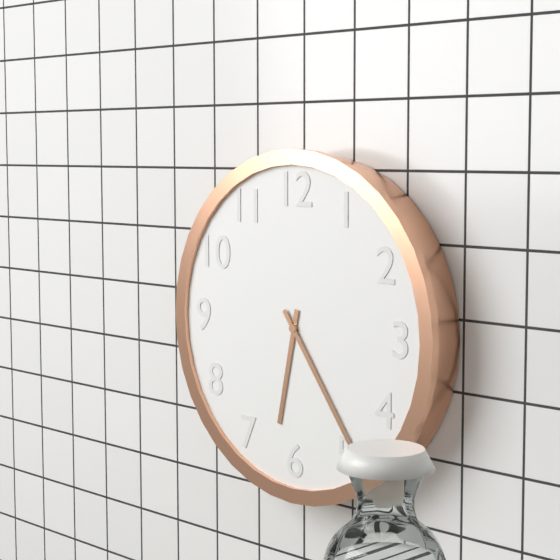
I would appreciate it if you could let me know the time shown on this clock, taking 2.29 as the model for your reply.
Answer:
6.24
